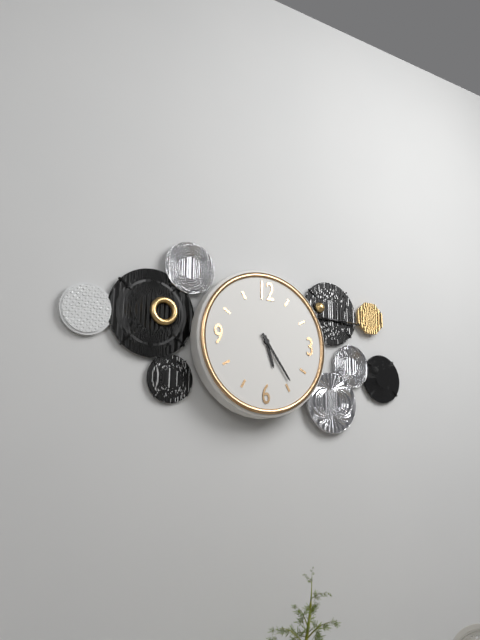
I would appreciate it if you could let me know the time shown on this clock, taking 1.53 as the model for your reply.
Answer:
5.24
